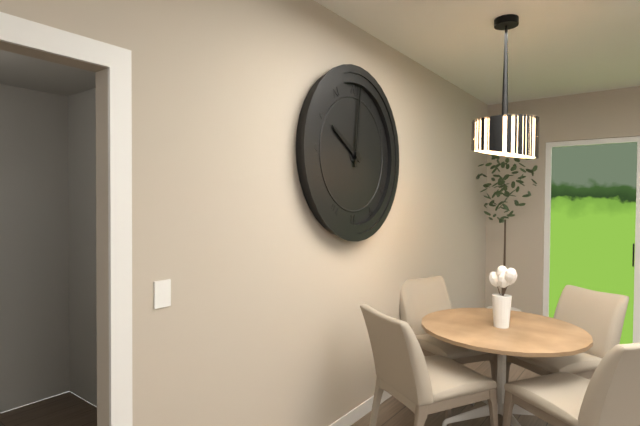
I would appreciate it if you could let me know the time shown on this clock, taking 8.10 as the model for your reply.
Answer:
10.01
